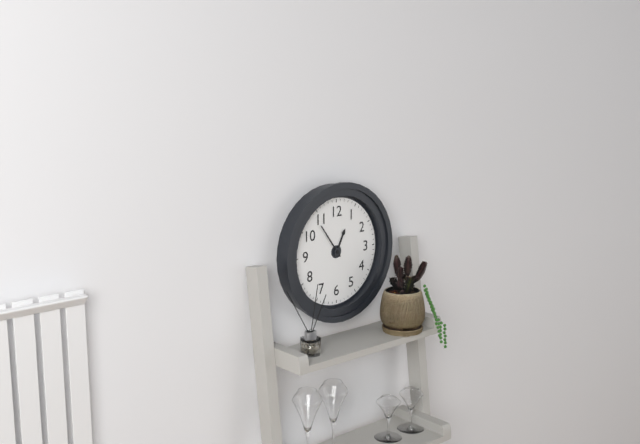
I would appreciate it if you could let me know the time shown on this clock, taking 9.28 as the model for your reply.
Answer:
12.54
